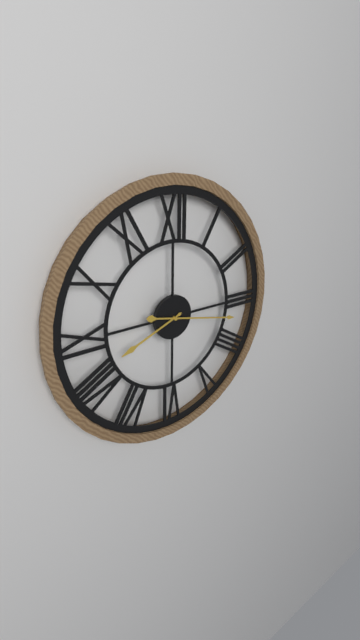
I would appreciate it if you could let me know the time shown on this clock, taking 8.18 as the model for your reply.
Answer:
8.17
